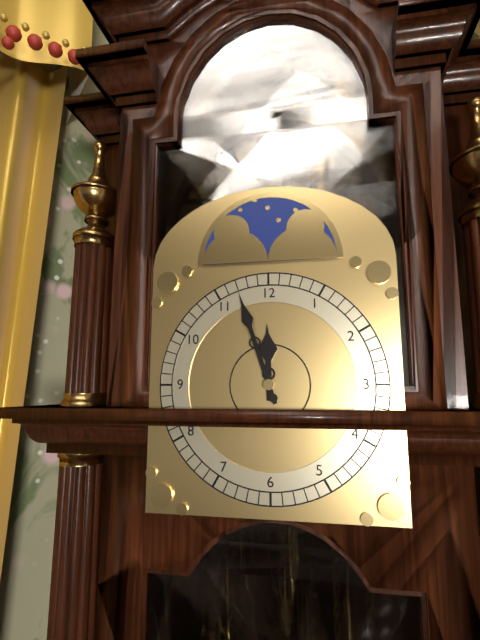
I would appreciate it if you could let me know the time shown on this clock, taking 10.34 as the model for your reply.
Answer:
11.57
